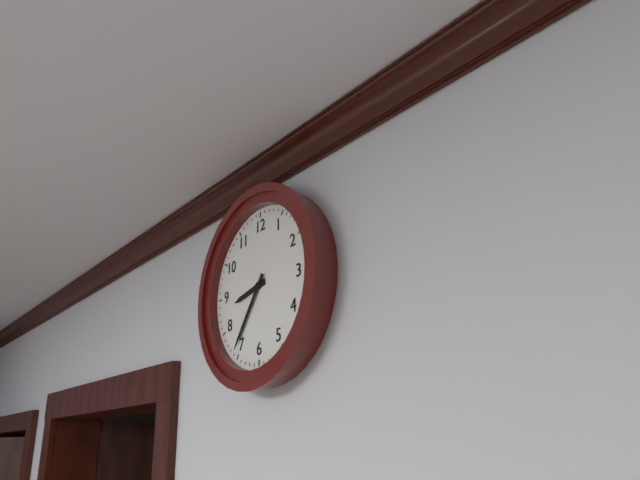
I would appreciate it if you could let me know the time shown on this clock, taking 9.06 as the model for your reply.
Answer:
8.36
